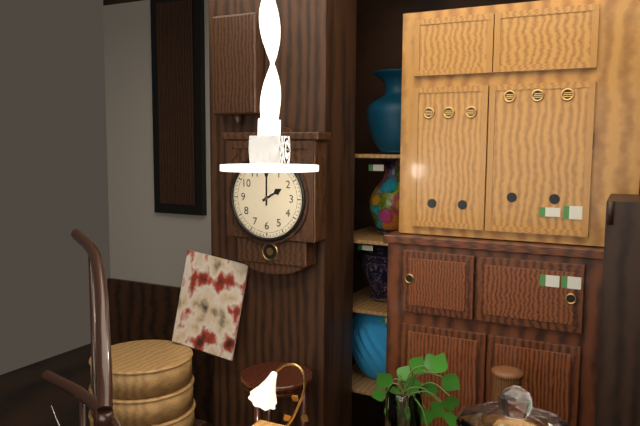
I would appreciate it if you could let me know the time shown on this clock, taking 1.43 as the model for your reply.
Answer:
2.00
